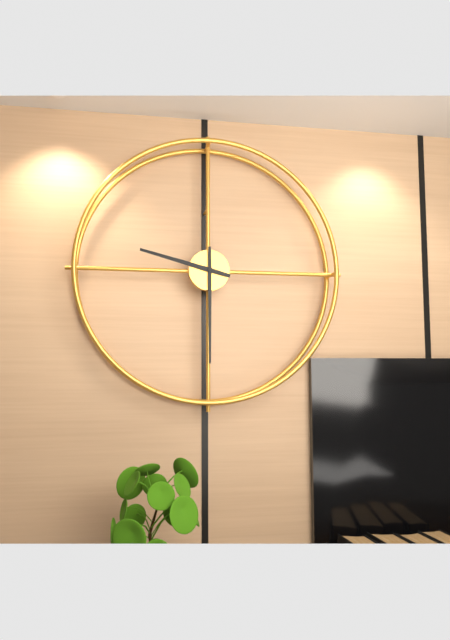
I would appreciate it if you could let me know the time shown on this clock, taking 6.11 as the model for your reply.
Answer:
9.30
